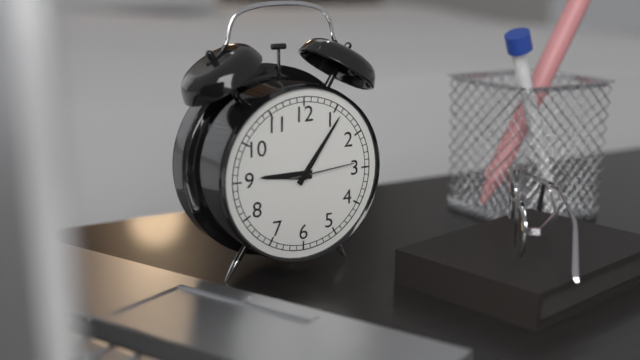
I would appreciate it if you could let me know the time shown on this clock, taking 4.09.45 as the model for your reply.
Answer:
9.06.14
